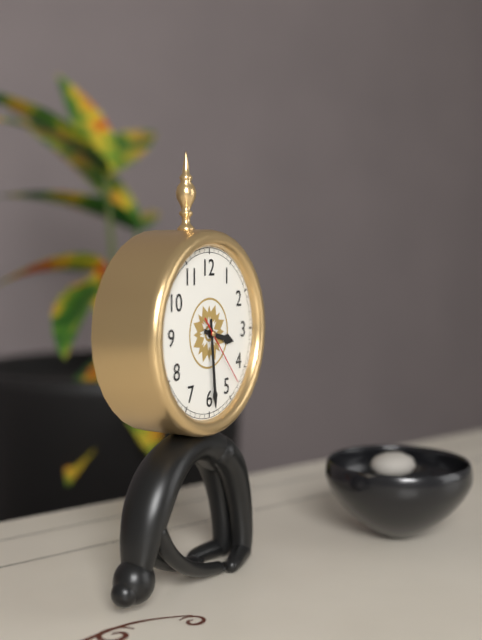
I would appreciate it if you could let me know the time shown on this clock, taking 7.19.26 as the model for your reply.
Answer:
3.29.23
